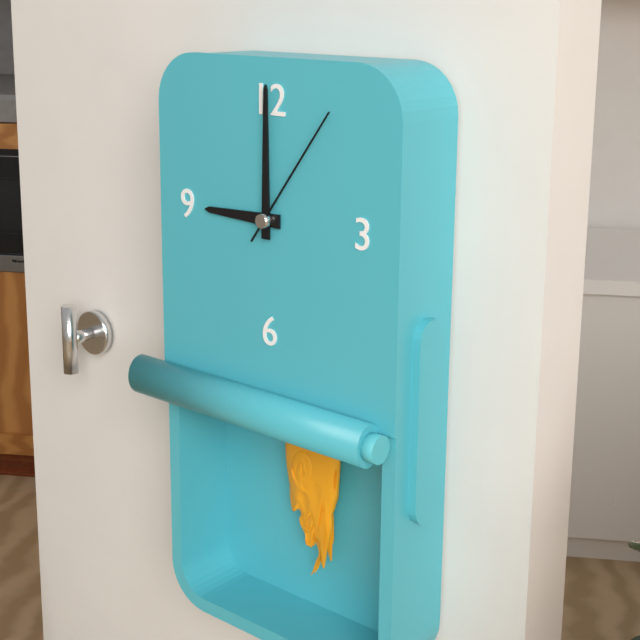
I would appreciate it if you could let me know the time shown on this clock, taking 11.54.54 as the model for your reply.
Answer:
9.00.06
